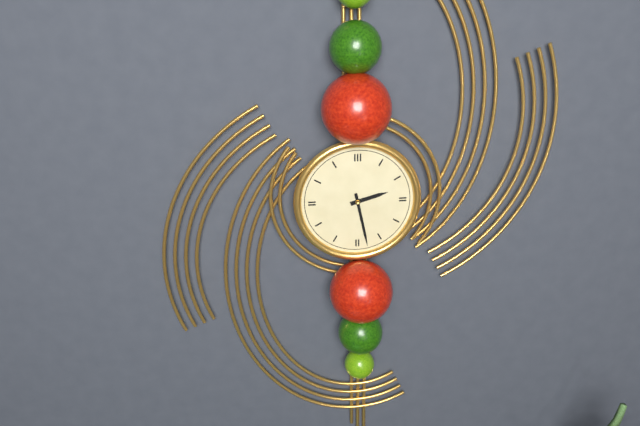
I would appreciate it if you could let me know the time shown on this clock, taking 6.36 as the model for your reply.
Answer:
2.28
